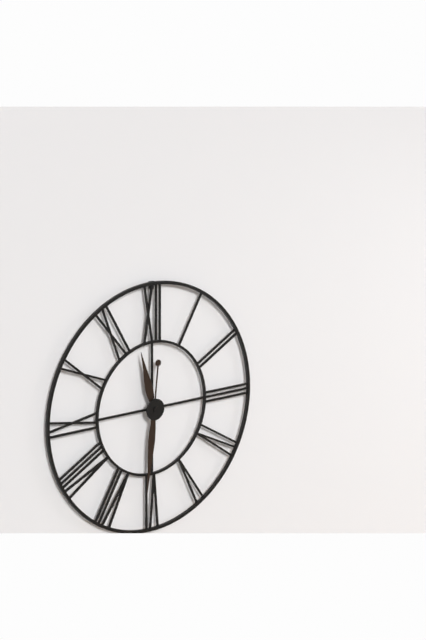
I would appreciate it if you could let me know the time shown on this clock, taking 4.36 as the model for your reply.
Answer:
11.31
